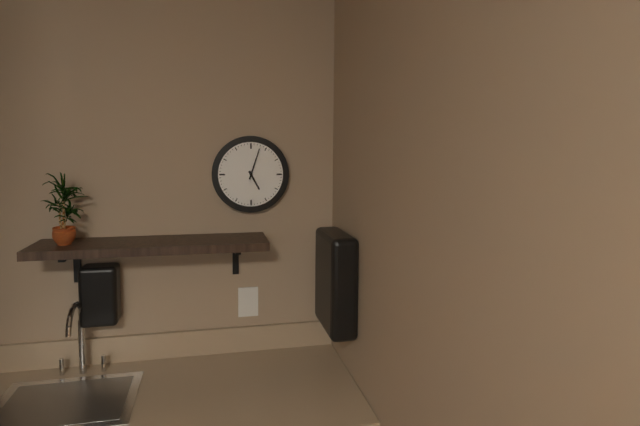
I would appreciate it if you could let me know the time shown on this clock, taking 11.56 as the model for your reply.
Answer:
5.03
